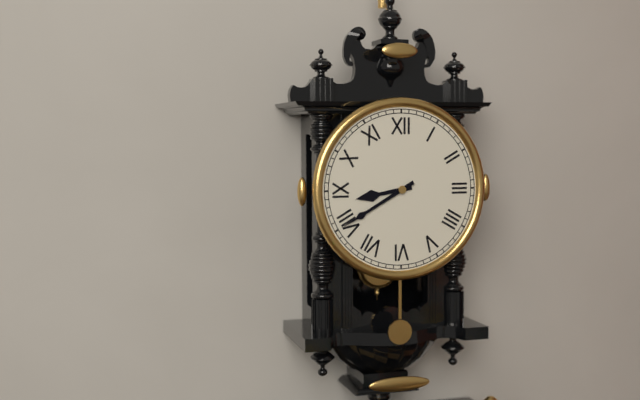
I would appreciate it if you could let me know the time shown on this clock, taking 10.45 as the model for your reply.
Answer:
8.40
